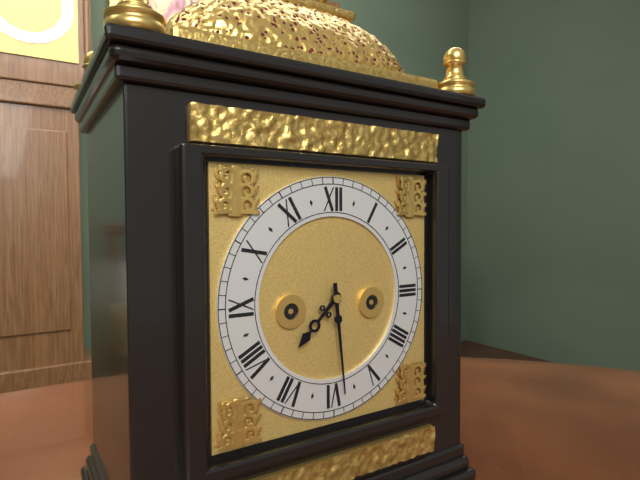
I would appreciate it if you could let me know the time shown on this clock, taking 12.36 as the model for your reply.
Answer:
7.29
